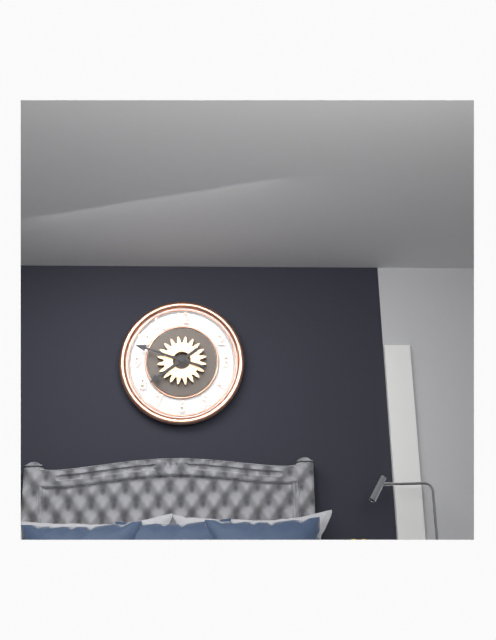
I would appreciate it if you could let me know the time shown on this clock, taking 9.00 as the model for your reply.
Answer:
7.48
